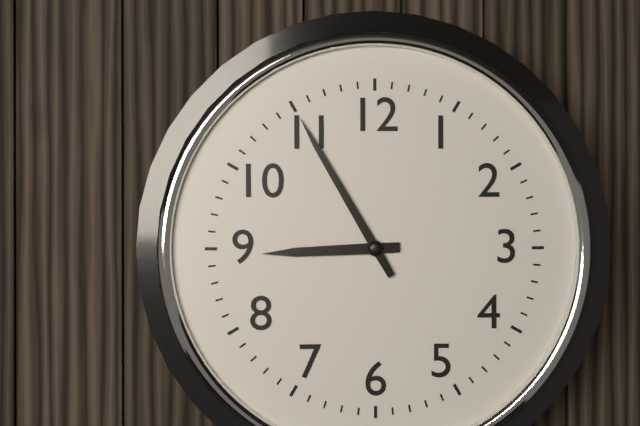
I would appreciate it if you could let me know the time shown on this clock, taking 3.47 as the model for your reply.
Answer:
8.55
